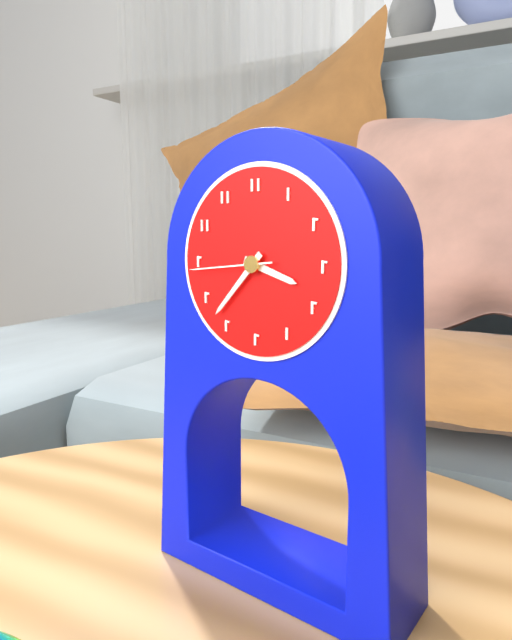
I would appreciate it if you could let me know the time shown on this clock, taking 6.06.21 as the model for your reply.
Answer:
3.37.44
